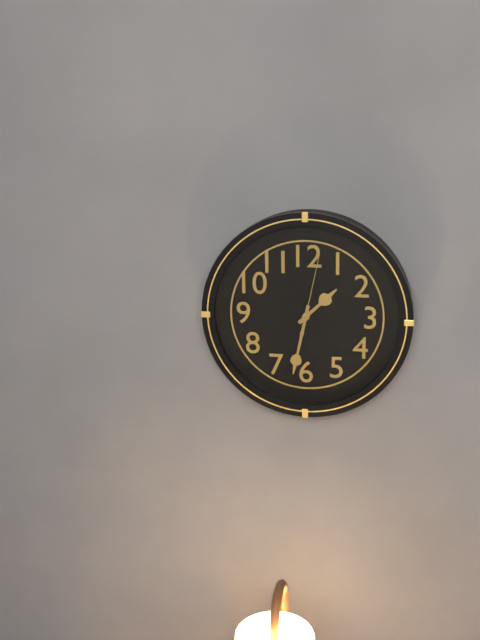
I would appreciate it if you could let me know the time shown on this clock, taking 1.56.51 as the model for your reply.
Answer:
1.32.02
